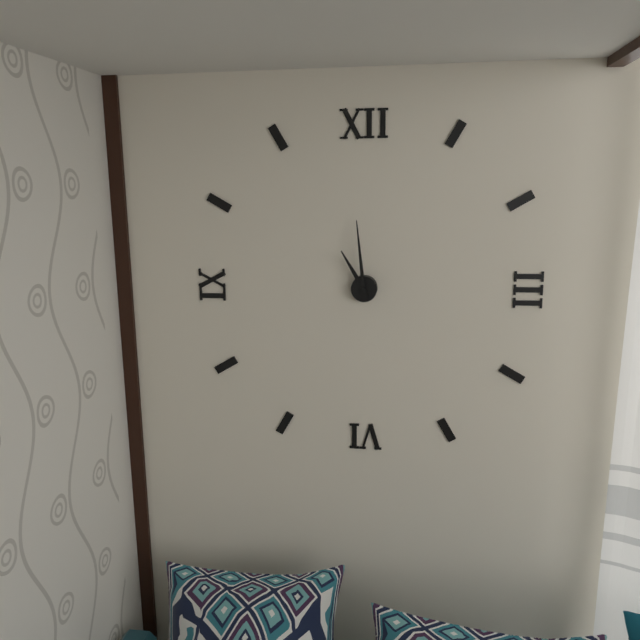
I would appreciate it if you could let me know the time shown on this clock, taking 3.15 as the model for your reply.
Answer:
10.59
